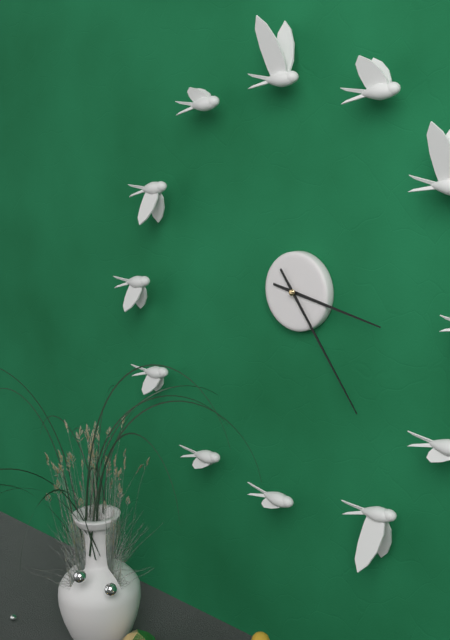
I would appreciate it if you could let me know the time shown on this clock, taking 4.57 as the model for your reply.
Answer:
3.24
